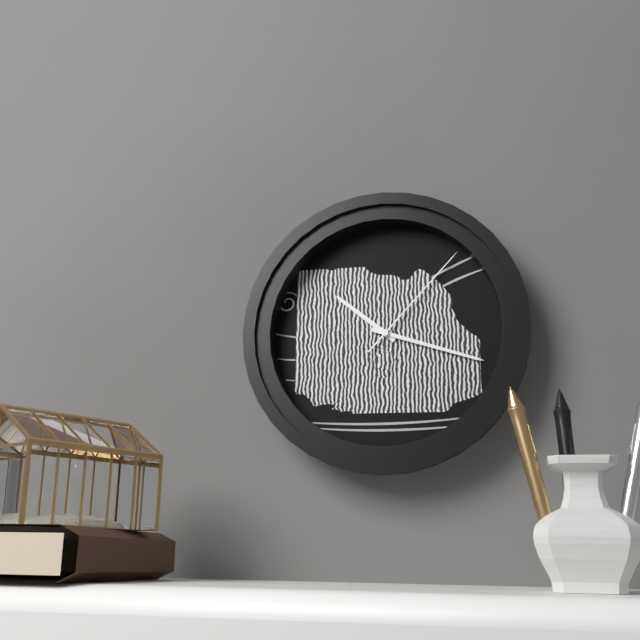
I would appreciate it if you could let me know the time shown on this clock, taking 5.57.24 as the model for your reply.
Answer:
10.18.07
